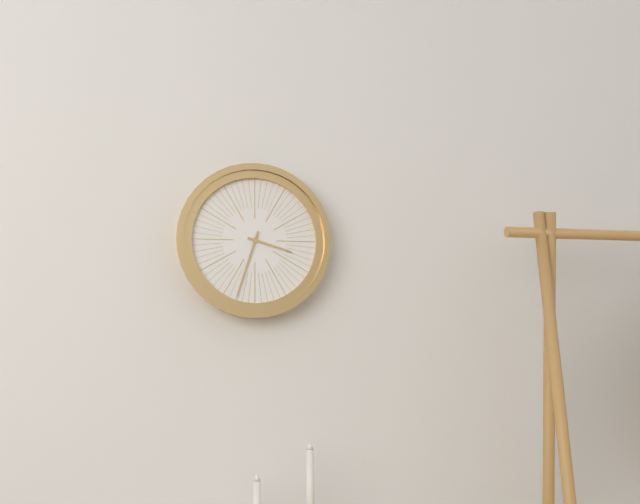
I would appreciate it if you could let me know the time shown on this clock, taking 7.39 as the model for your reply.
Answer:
3.33
